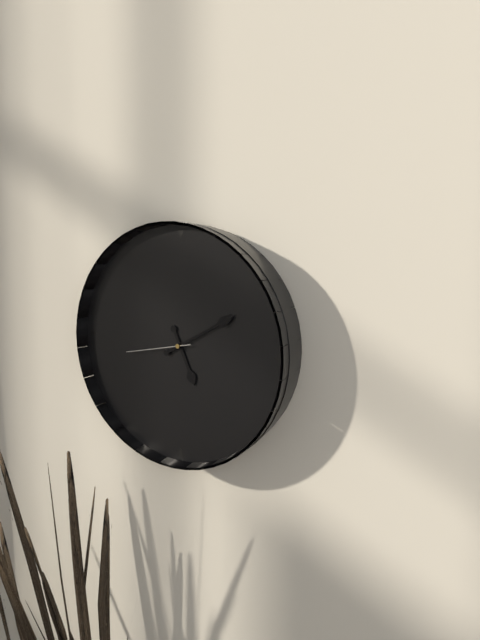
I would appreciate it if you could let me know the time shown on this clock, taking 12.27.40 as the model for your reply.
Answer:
5.10.43
